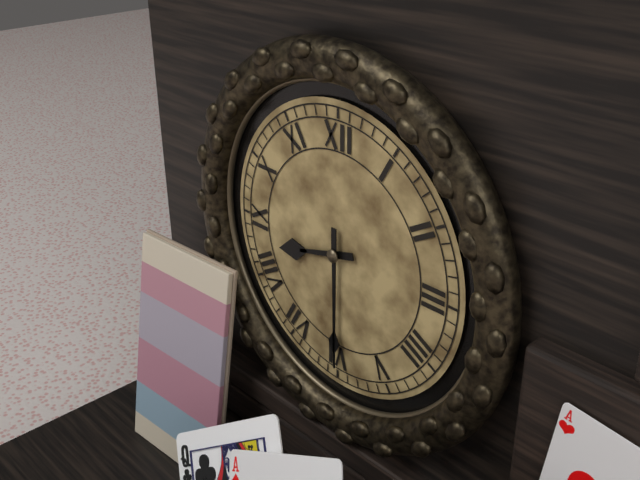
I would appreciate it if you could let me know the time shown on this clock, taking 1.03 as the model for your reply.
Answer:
8.30
